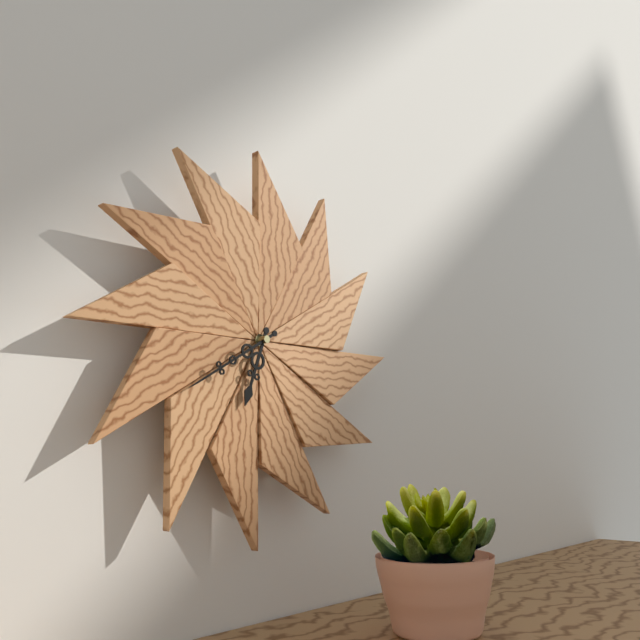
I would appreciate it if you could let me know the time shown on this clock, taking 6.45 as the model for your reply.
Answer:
6.40
